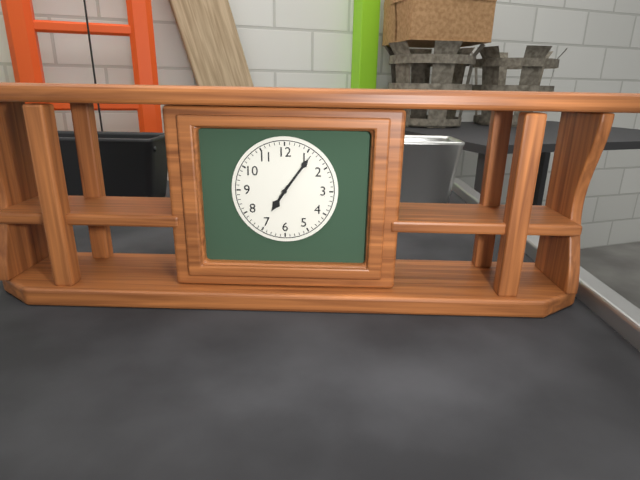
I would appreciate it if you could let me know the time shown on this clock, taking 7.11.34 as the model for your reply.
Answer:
7.06.06
